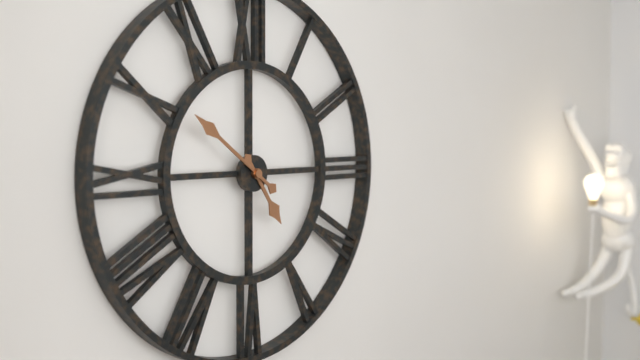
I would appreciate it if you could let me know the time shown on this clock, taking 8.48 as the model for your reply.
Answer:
4.51
